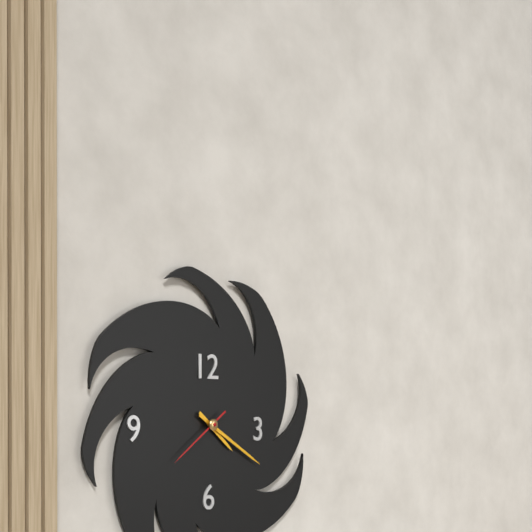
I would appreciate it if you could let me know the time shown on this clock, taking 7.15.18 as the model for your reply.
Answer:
4.20.39
